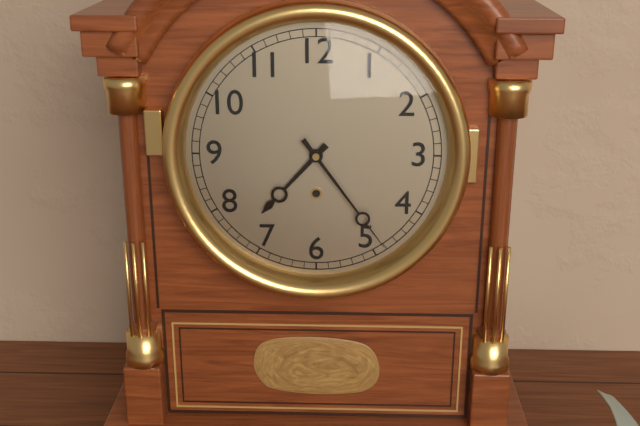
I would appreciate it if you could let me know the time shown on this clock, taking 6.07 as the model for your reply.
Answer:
7.24
